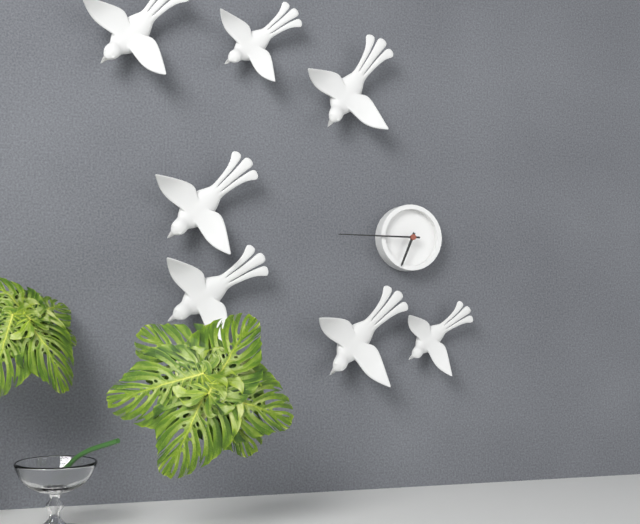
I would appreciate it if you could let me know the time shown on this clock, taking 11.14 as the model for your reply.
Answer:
6.45
